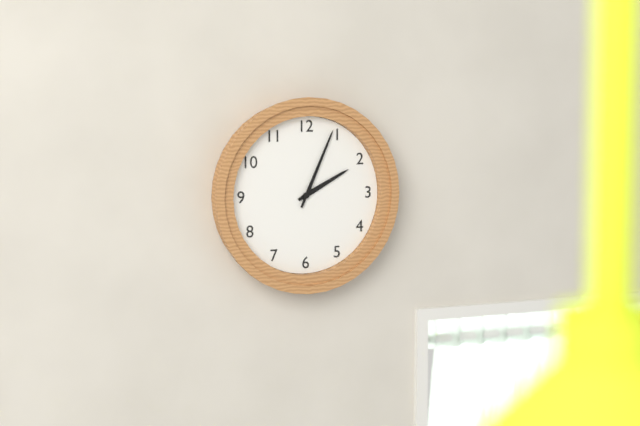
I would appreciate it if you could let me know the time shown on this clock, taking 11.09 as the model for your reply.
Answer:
2.04
